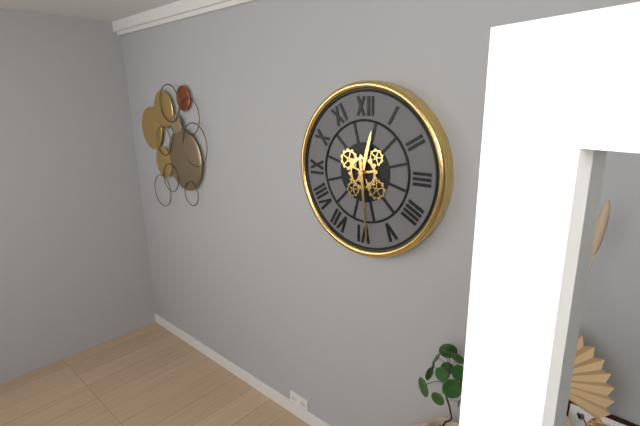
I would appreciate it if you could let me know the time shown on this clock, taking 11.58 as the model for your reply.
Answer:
12.29
